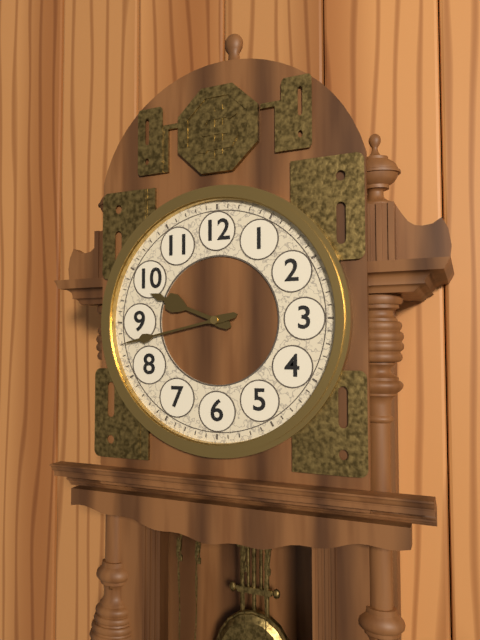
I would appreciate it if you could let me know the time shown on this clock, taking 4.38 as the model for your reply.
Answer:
9.43
